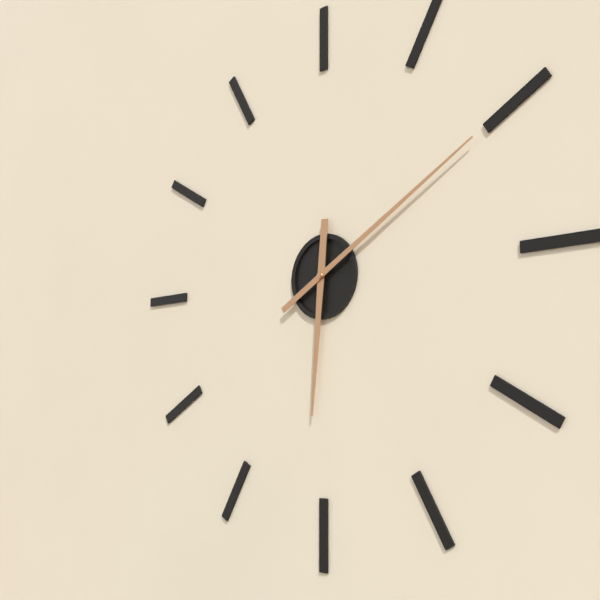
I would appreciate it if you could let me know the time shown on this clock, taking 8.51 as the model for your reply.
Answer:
6.10
